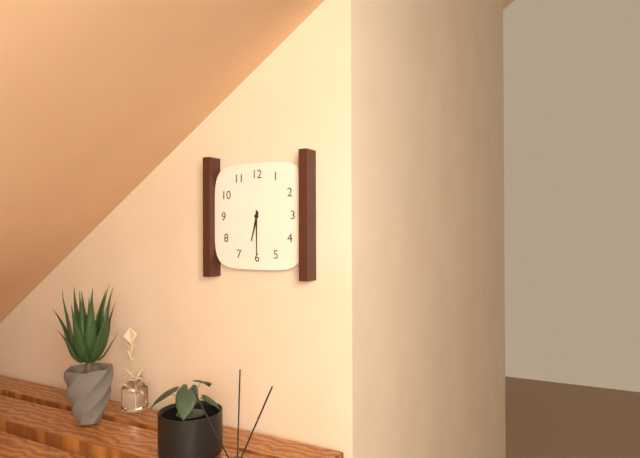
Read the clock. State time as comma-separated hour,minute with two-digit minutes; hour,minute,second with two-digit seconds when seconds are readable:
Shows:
6,30
